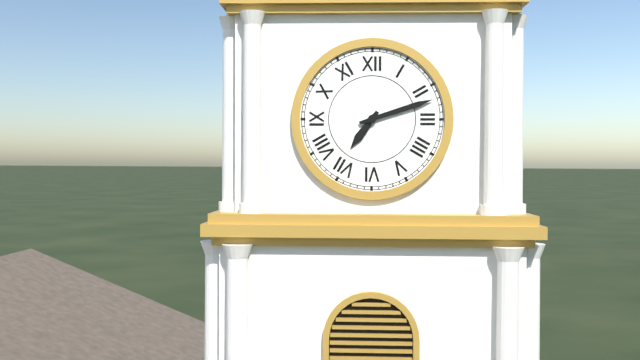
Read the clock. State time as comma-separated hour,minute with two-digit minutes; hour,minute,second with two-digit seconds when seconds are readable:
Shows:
7,12
